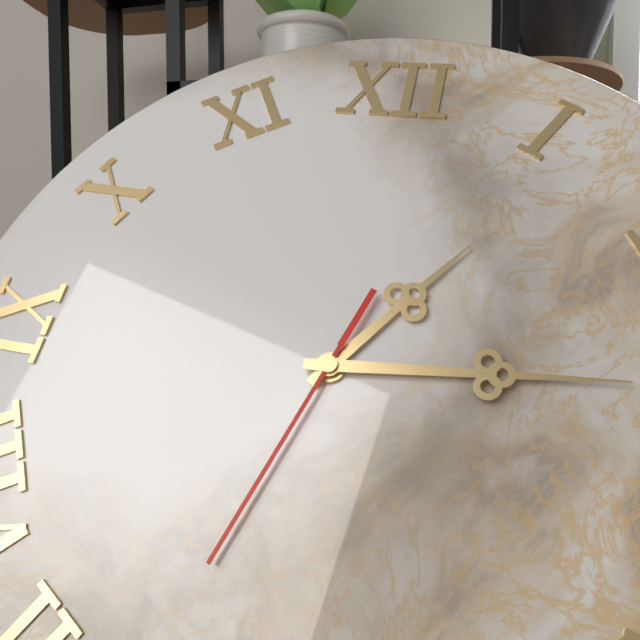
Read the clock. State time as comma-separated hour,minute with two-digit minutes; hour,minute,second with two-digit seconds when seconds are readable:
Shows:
1,14,33
